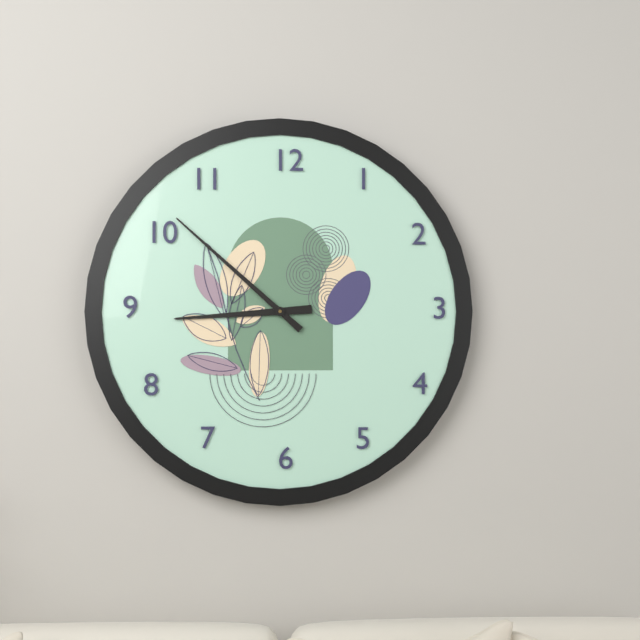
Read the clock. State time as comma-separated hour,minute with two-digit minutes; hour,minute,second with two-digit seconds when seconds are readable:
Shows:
8,52
